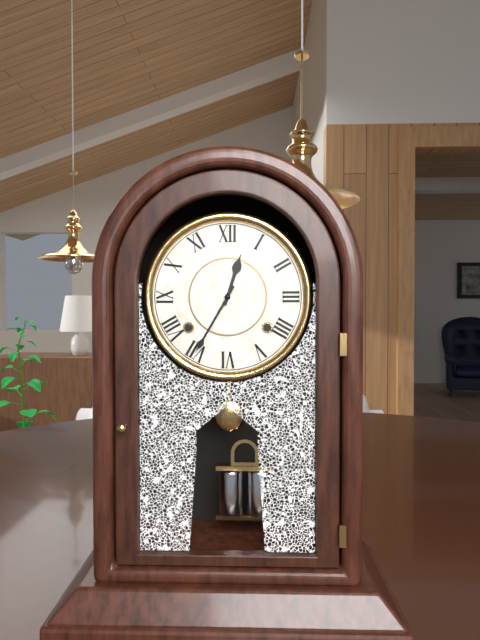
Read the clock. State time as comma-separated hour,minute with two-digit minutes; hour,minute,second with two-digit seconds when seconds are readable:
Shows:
12,35
